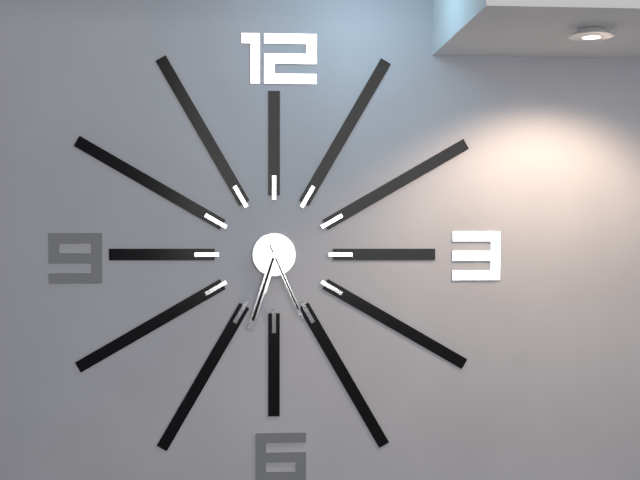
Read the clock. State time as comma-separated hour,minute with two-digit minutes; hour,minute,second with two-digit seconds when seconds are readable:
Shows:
6,33,26
